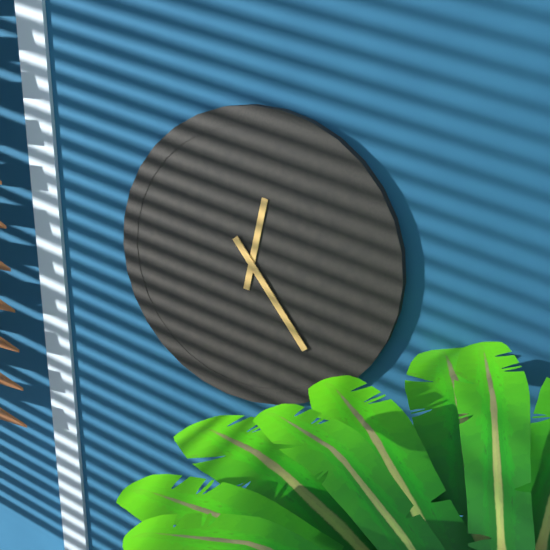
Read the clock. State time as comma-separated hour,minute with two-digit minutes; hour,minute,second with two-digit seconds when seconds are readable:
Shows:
12,24
